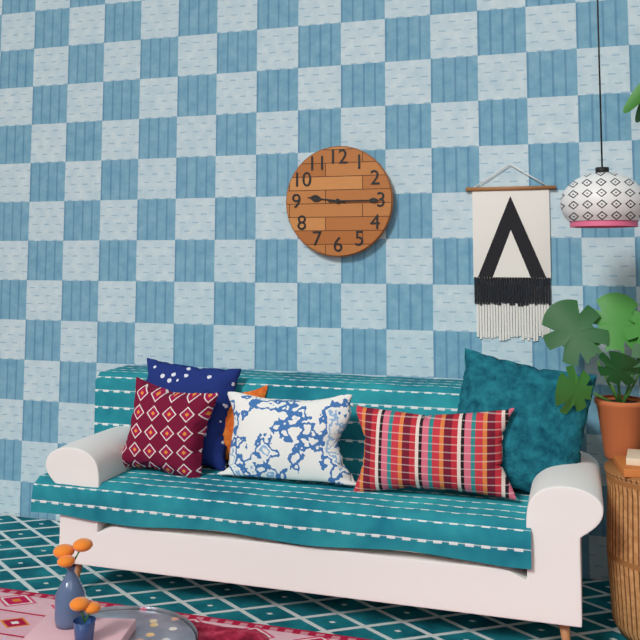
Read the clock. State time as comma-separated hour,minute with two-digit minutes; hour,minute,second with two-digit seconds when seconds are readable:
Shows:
9,15
